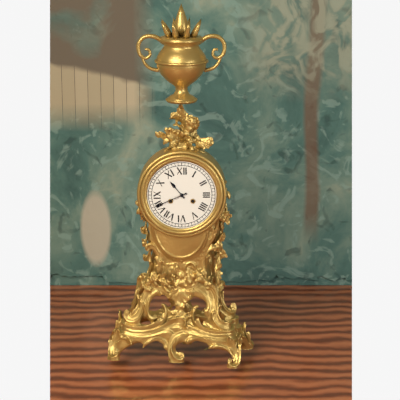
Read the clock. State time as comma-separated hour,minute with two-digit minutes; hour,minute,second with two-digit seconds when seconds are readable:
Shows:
10,41
